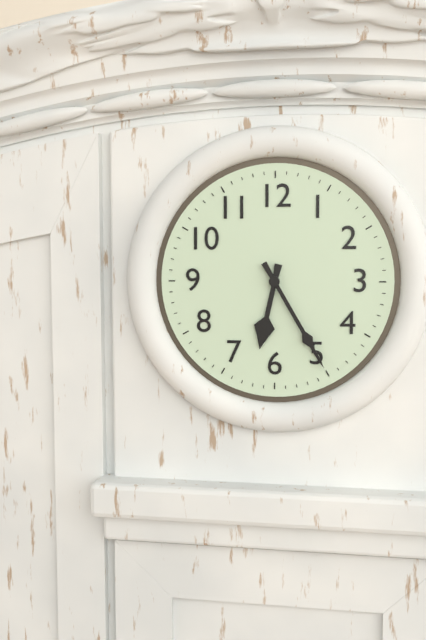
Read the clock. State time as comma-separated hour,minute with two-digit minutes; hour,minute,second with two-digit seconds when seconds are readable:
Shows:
6,25
